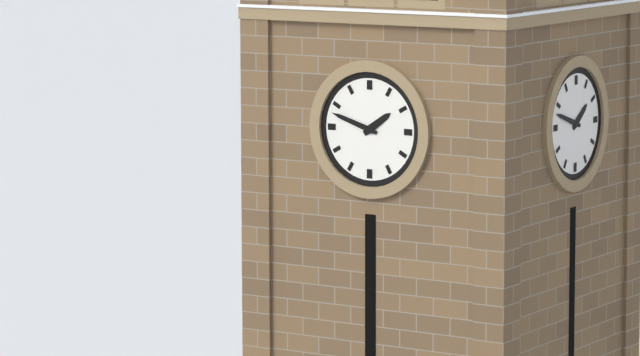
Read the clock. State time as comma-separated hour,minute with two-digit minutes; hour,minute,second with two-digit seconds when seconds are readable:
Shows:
1,48
